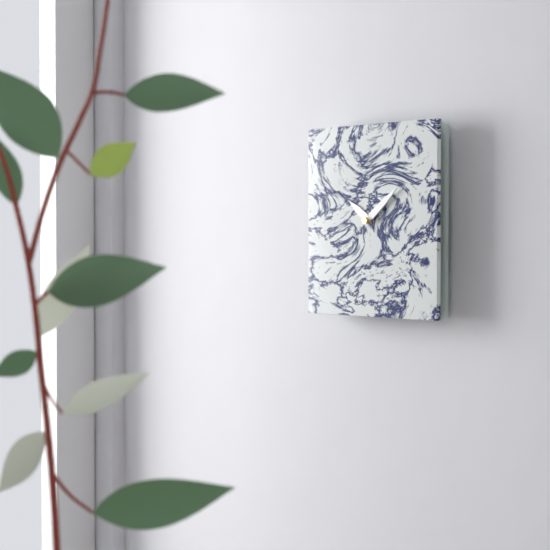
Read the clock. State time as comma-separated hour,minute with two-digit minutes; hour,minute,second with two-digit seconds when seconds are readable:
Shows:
10,09
